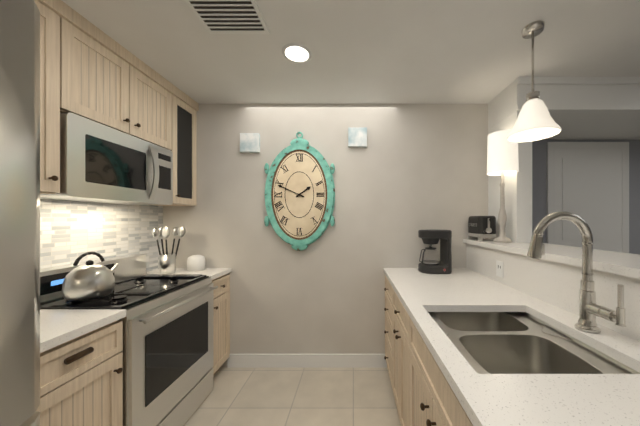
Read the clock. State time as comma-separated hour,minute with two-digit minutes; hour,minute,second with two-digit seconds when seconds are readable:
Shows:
1,49
